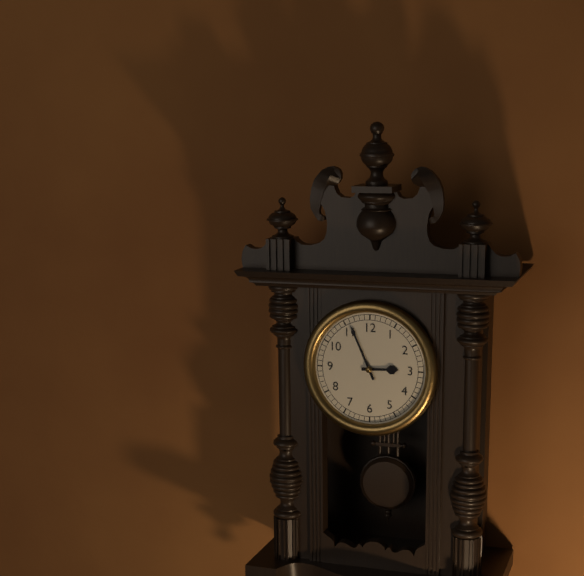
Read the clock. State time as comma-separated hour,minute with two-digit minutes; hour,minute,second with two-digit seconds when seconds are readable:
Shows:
2,56
